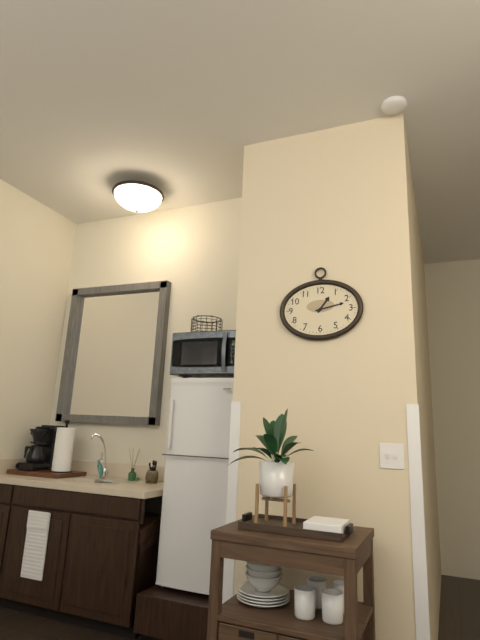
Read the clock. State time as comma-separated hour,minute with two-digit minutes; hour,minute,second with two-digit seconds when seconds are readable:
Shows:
1,13
